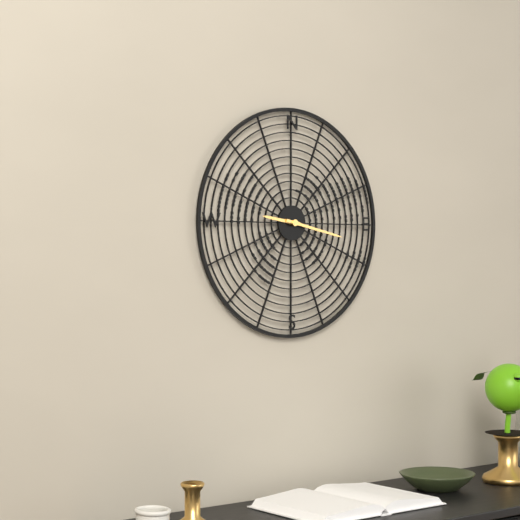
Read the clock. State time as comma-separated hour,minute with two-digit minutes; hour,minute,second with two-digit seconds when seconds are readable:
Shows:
9,17
